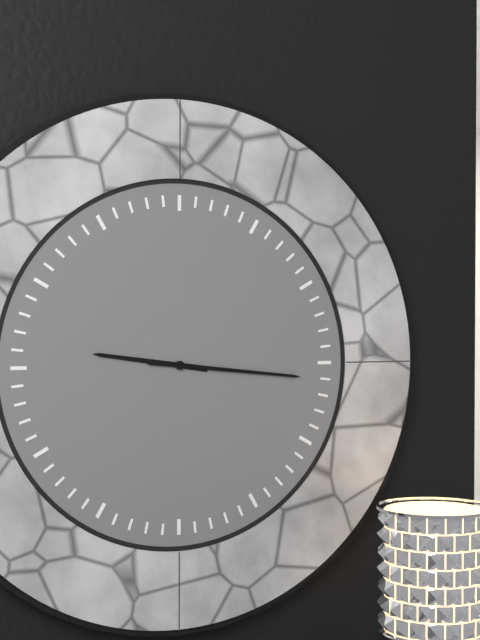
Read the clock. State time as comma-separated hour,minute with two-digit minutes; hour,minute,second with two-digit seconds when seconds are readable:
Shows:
9,16
